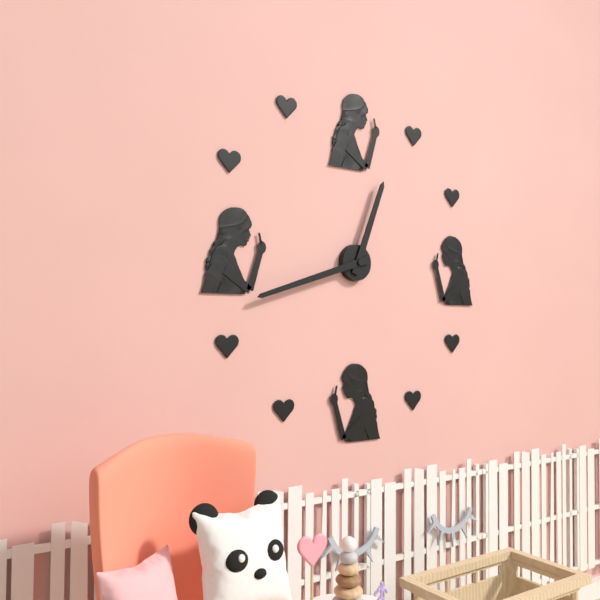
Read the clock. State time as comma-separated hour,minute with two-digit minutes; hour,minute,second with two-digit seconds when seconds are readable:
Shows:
12,42
